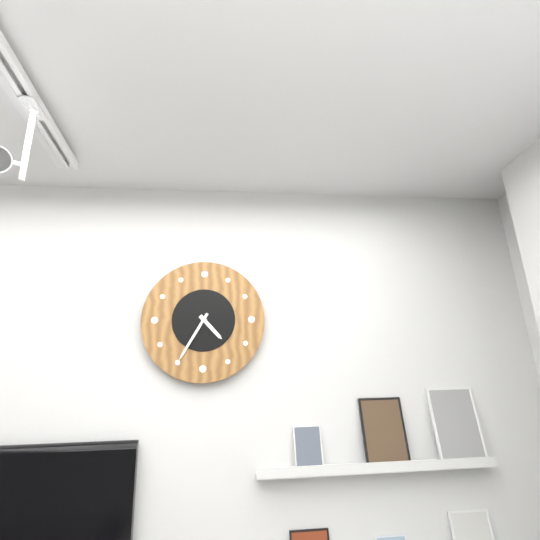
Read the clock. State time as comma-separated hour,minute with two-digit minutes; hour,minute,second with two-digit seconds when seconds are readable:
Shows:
4,35
